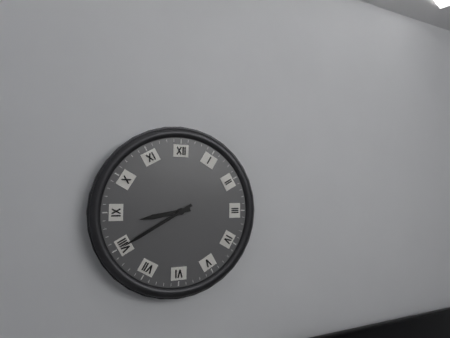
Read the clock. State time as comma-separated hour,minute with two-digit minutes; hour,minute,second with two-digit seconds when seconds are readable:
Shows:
8,40
